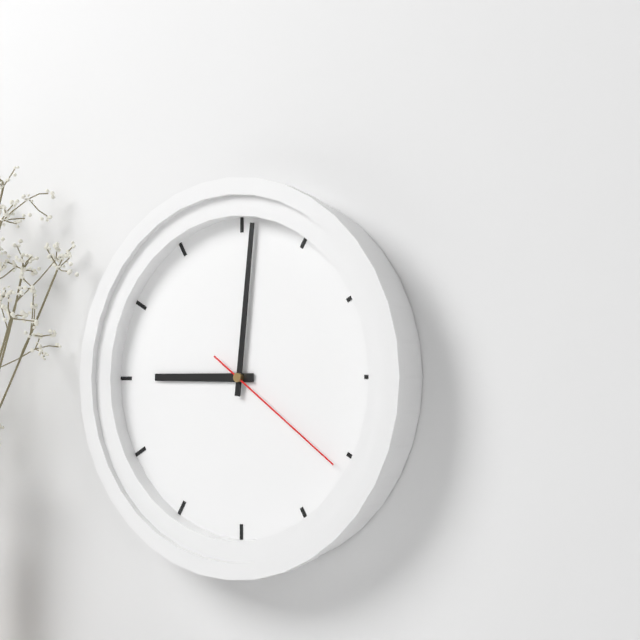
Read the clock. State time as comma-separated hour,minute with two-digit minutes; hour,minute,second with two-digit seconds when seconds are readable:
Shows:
9,01,21
